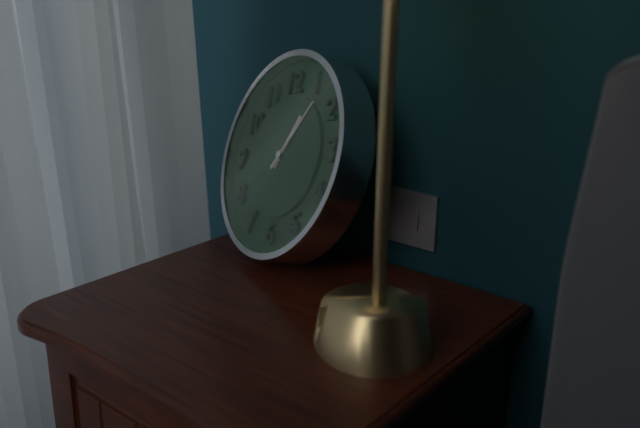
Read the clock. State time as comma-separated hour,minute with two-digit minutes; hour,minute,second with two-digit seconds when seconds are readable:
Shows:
1,07
